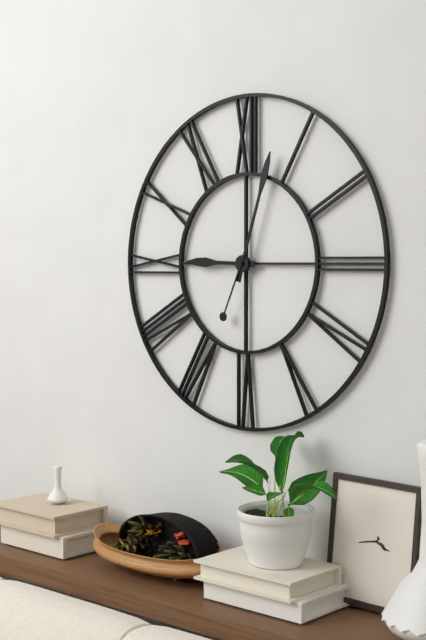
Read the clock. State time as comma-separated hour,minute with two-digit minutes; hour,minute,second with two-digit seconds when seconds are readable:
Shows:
9,03,34
